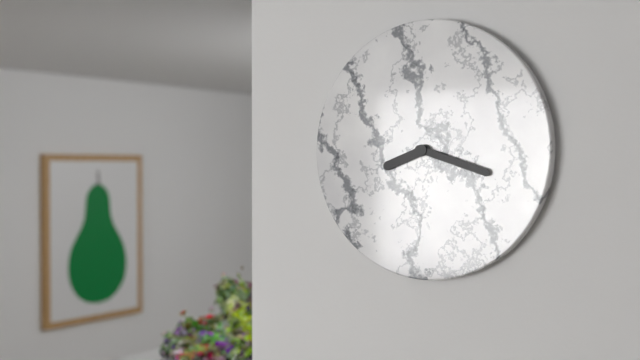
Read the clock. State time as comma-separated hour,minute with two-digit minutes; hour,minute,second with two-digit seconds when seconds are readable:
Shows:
8,18
